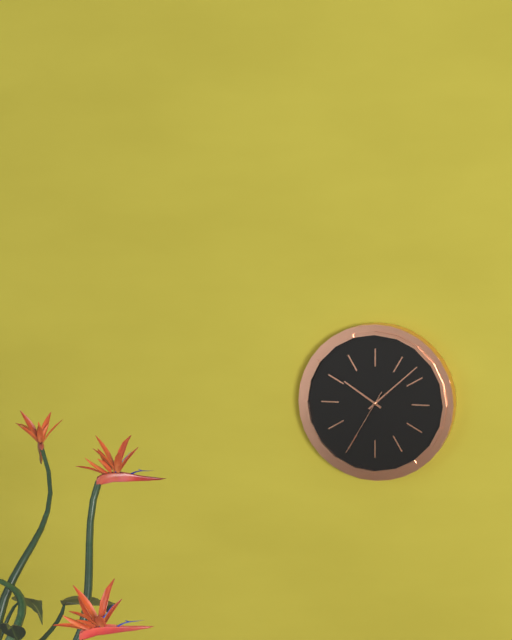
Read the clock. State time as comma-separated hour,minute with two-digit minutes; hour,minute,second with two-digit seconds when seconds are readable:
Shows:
10,08,35
